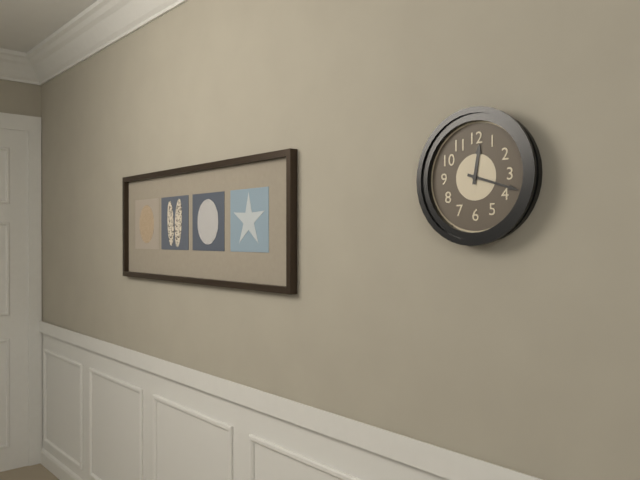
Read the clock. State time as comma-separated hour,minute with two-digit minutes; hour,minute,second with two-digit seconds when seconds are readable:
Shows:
12,18
